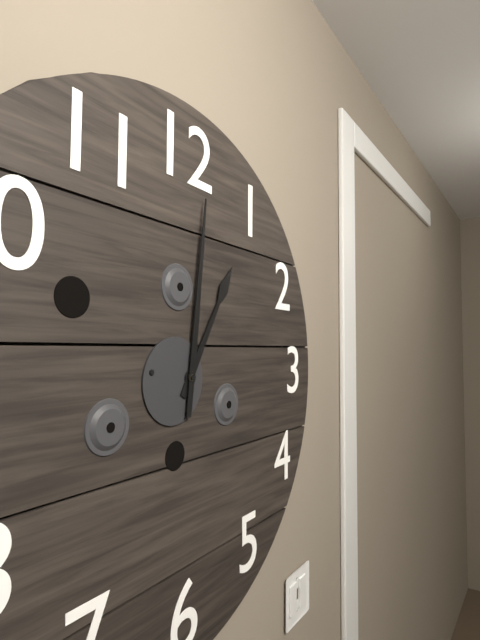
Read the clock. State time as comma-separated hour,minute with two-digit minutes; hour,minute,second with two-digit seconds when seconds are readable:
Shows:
1,01
